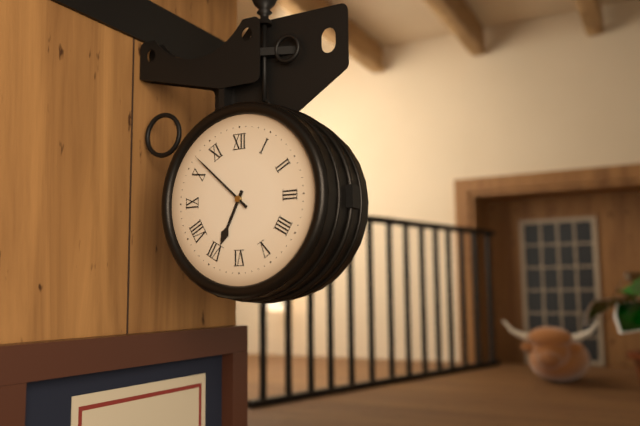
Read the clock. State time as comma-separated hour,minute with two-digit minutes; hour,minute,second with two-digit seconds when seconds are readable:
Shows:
6,52
